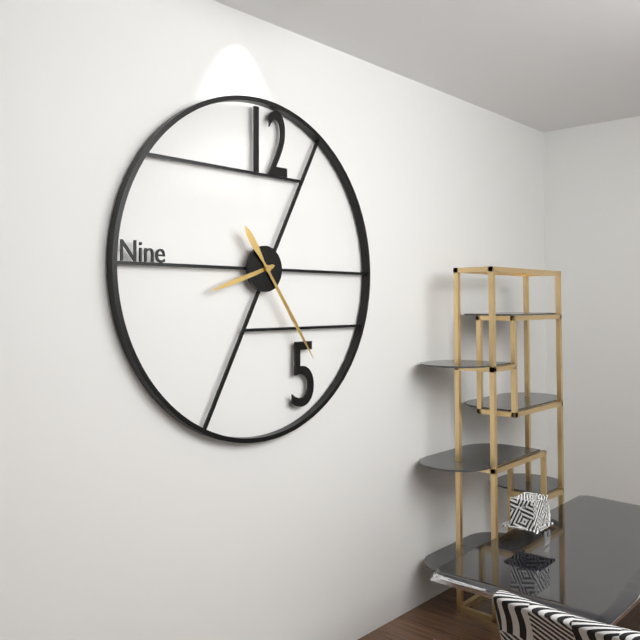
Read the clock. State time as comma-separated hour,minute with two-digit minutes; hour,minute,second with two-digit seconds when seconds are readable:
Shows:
8,24
